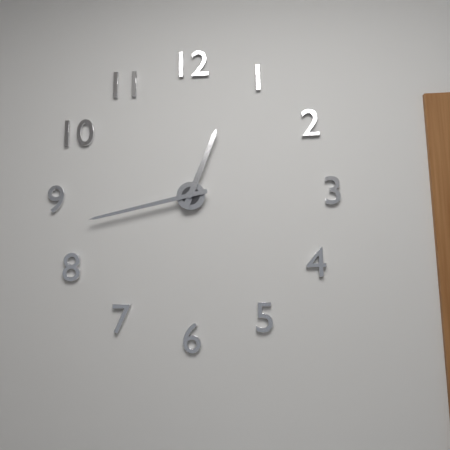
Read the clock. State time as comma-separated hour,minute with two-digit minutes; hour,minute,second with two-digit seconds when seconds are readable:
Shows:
12,43
